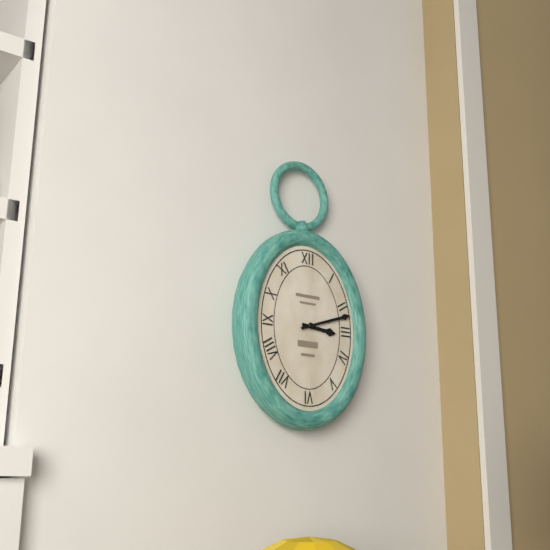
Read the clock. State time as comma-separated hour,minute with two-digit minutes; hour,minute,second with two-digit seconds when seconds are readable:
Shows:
3,12
